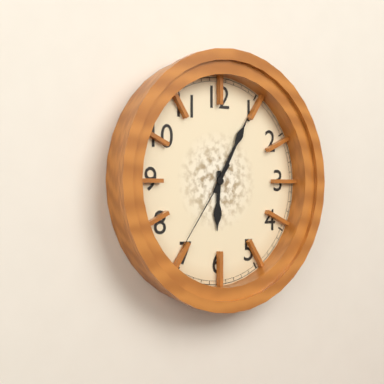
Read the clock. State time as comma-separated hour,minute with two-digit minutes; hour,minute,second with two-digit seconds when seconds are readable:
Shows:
6,05,36
